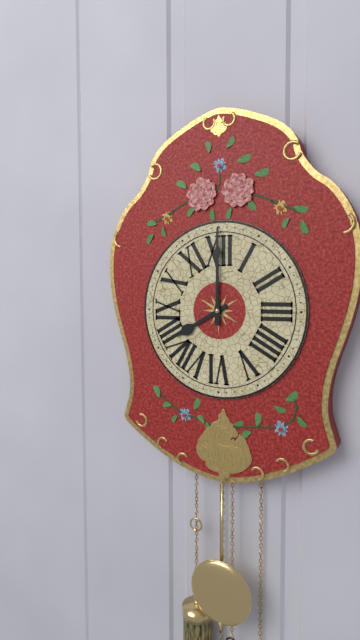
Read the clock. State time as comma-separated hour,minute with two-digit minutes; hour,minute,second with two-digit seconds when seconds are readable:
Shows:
8,00
